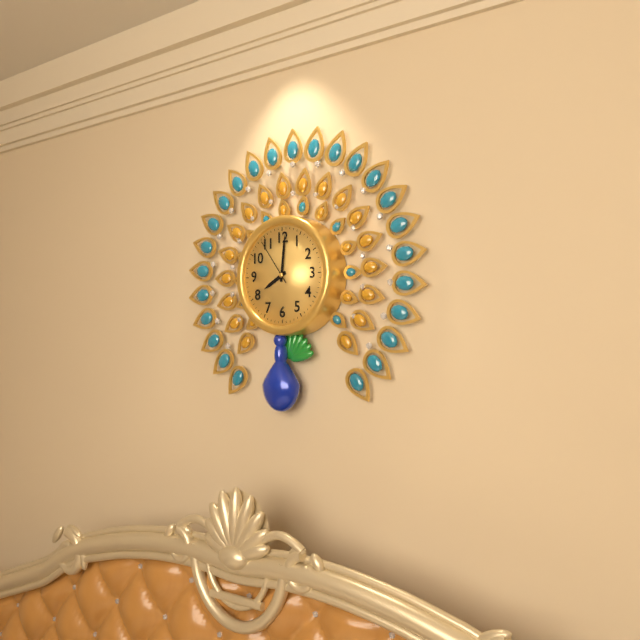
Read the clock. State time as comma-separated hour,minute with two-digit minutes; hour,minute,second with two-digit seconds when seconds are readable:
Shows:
8,01
